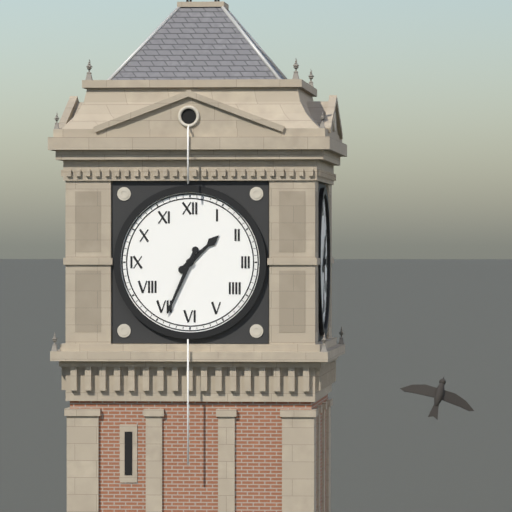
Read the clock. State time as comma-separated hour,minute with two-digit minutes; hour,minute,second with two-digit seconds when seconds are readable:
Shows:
1,34
